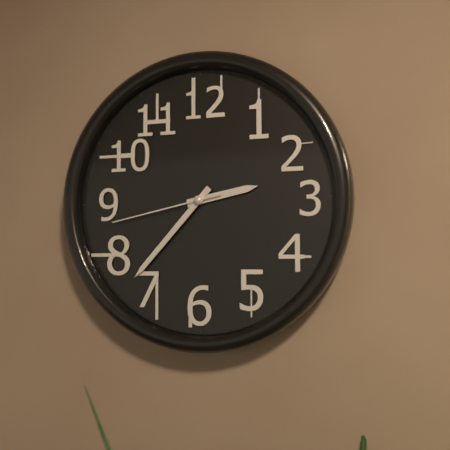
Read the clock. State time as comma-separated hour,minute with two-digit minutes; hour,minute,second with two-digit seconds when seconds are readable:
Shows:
2,37,43
